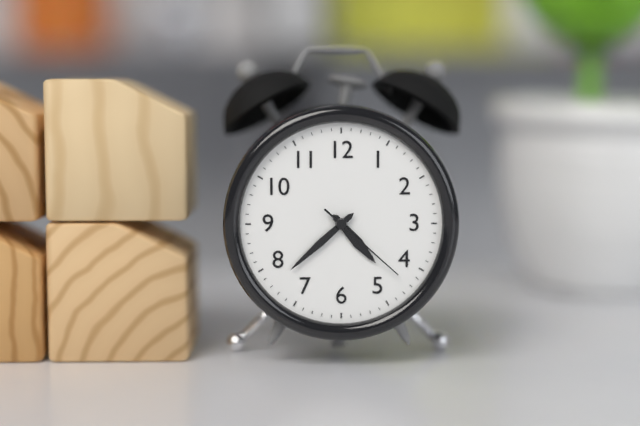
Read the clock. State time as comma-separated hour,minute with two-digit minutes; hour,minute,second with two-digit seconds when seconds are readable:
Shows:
4,38,22
